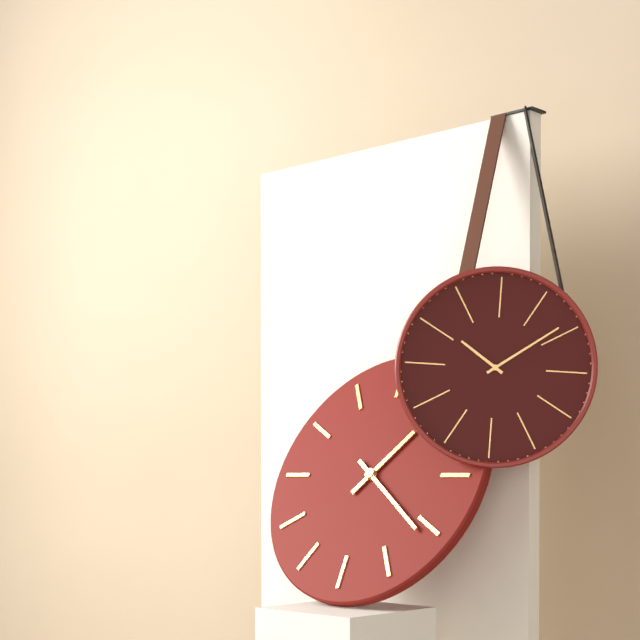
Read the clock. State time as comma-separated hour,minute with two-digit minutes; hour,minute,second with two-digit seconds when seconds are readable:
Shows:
1,21
